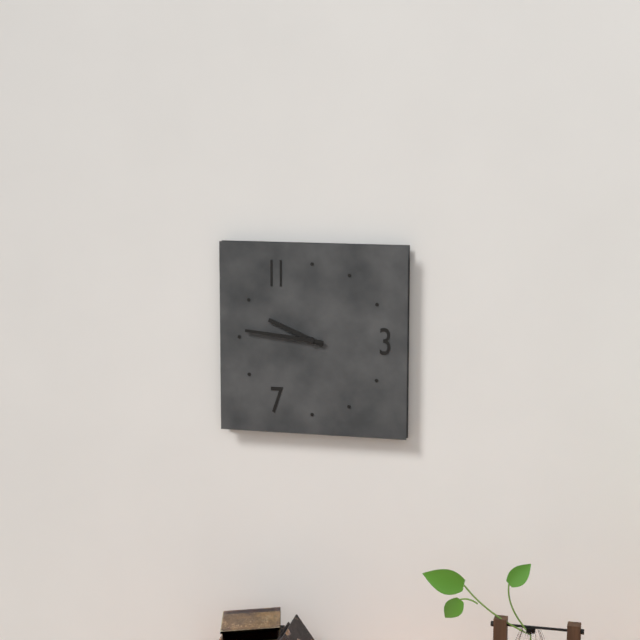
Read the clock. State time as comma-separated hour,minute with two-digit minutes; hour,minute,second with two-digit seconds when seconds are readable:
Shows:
9,46
